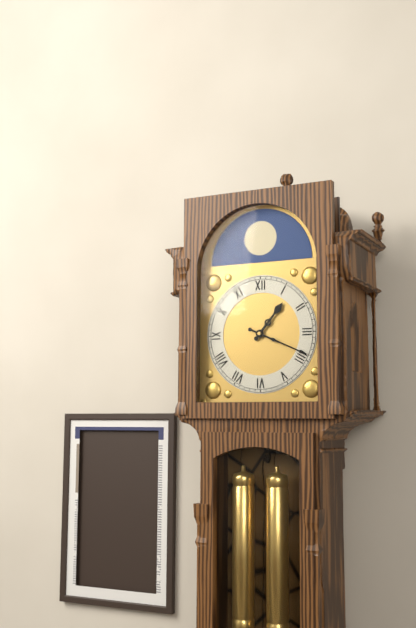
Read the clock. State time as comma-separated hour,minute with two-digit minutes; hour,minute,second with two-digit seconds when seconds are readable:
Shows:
1,19
